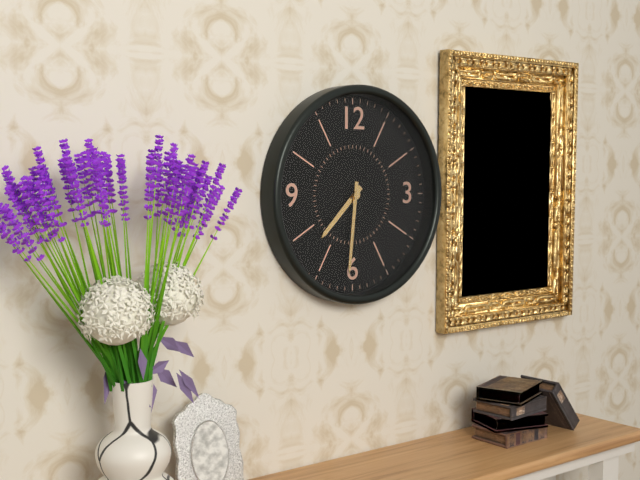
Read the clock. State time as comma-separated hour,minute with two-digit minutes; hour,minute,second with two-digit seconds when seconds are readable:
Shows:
7,31
